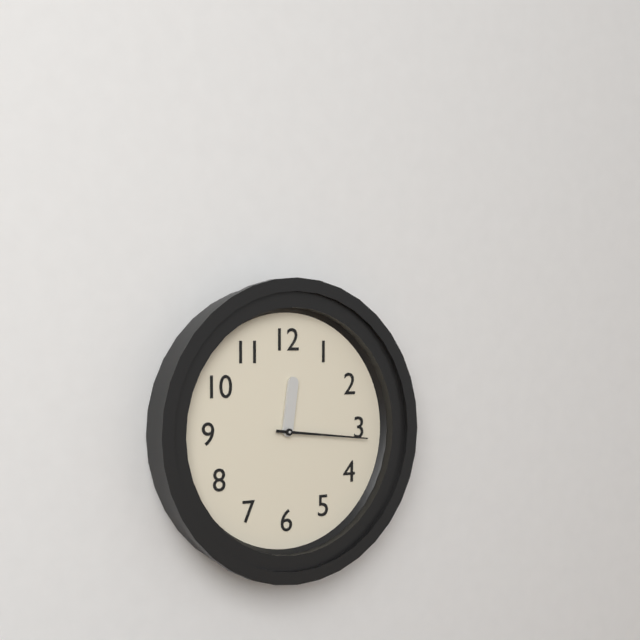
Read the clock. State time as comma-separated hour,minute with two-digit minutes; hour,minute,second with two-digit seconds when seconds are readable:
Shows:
12,16
